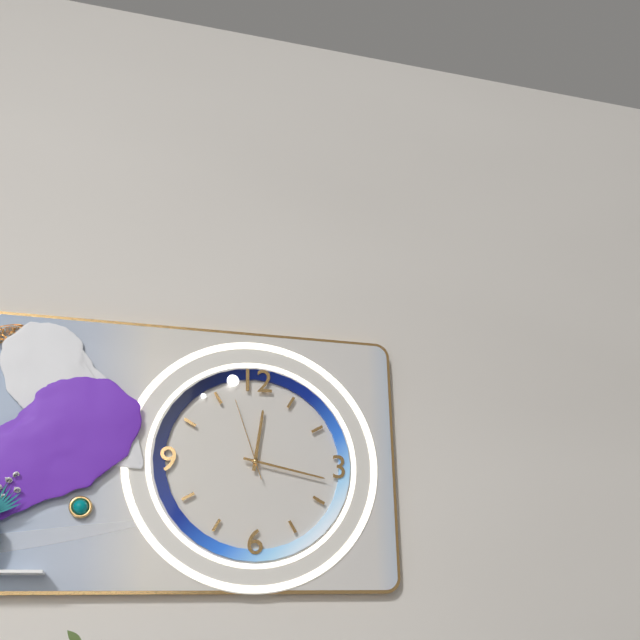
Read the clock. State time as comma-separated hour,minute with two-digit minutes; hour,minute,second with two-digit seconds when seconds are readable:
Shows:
12,17,57
